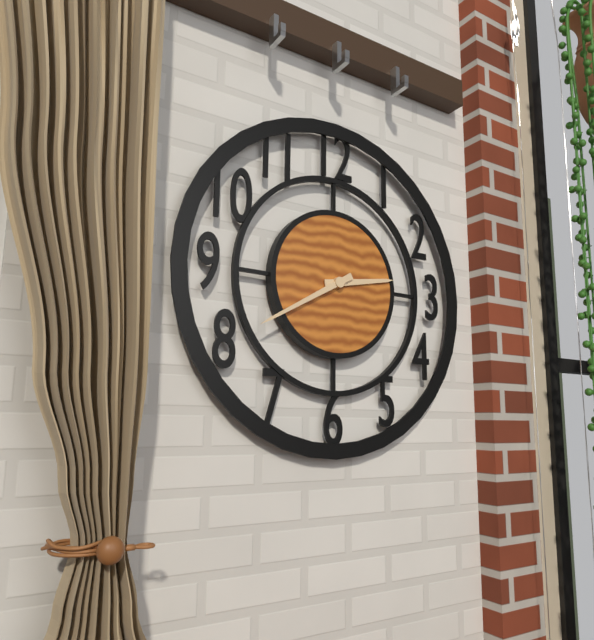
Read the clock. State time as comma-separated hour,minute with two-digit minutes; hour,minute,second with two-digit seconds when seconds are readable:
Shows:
2,40
